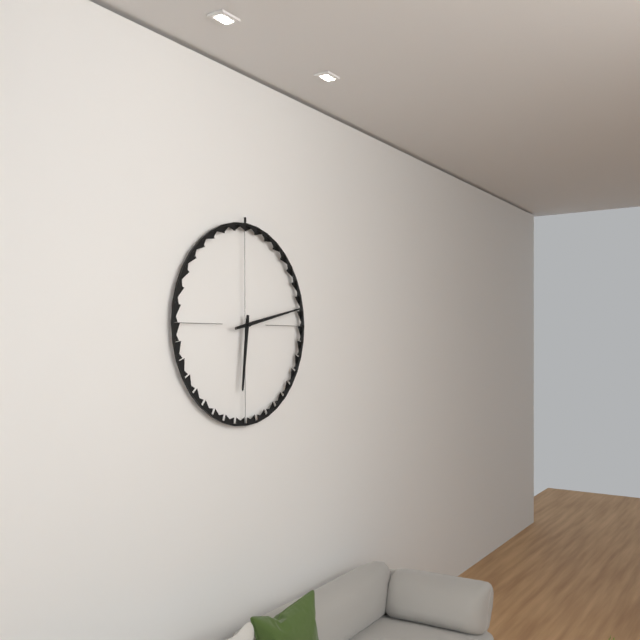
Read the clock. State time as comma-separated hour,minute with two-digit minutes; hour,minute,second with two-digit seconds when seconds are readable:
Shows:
6,13
